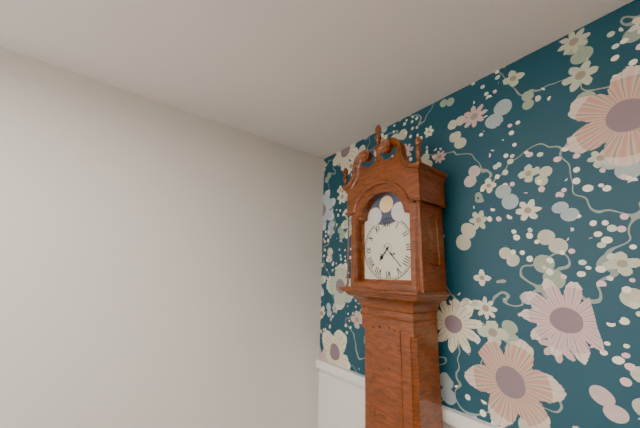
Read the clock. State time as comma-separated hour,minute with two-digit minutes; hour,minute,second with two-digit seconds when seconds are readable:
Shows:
7,23
